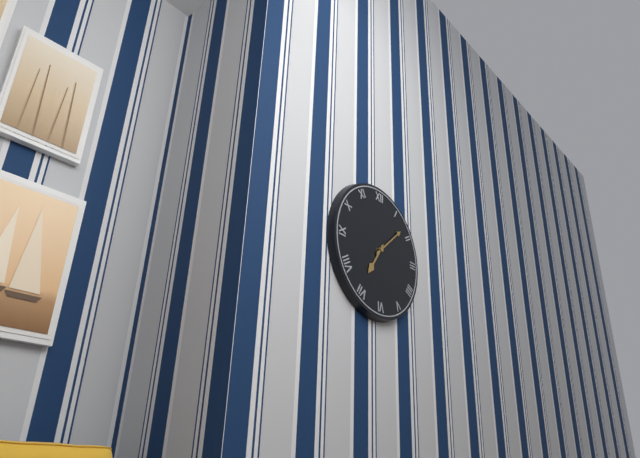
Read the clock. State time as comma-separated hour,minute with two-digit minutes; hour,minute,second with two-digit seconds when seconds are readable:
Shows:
7,08
